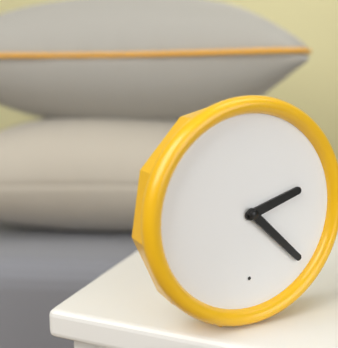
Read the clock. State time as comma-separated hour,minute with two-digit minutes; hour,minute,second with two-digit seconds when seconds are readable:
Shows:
2,22
